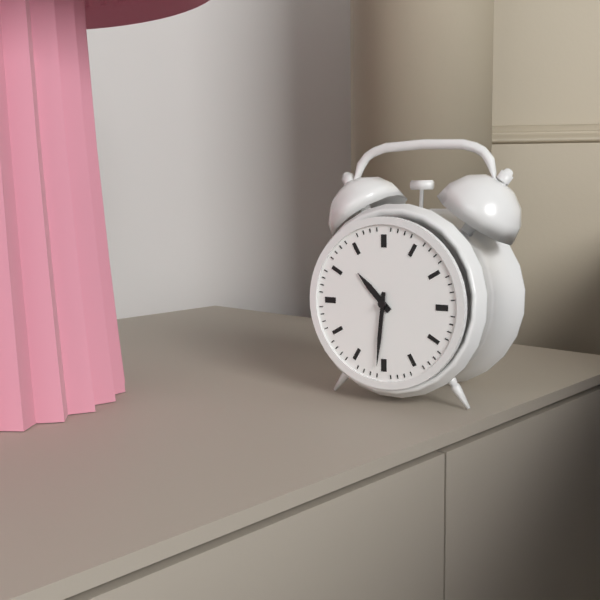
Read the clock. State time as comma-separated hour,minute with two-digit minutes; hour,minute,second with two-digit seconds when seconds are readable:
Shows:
10,31
